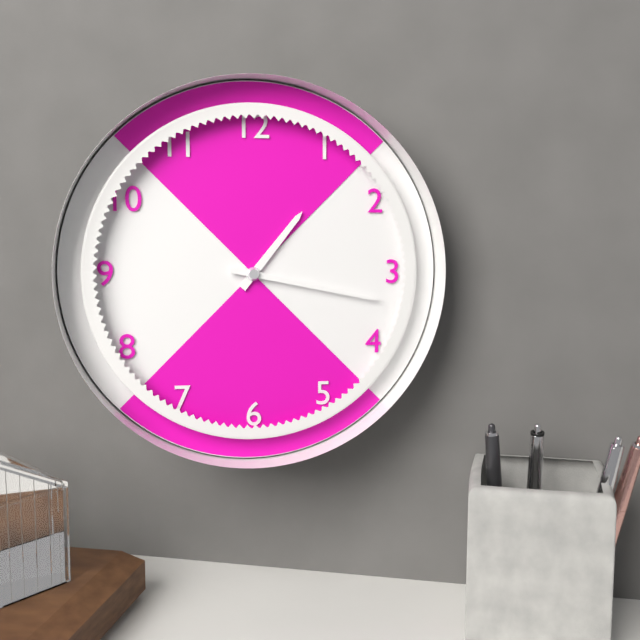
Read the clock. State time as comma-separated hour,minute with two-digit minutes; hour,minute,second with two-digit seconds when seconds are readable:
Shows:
1,17
